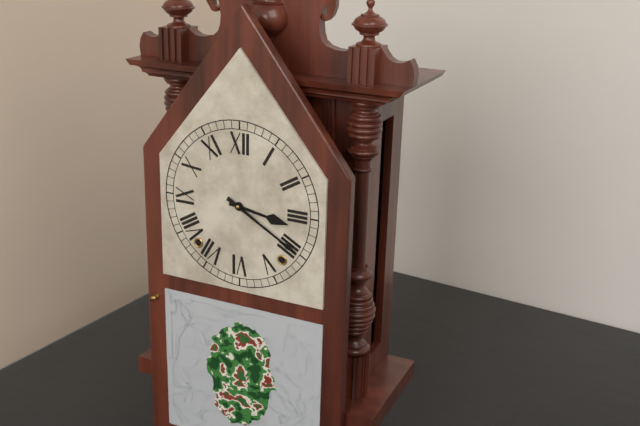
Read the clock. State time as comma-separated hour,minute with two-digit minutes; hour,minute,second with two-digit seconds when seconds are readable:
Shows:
3,20
